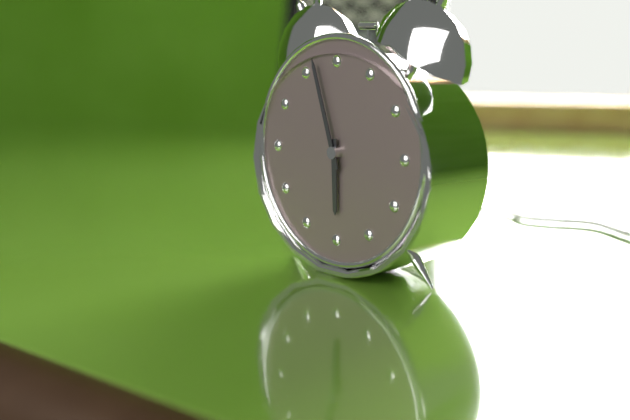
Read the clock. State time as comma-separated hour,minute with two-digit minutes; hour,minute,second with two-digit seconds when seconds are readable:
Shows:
5,57
